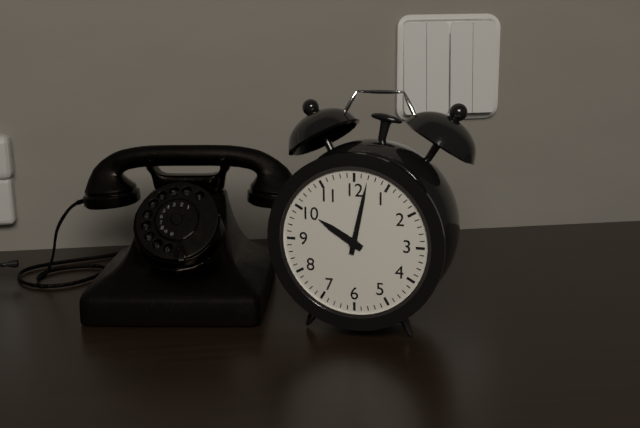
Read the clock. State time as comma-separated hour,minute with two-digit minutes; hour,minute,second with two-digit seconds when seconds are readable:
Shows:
10,02
